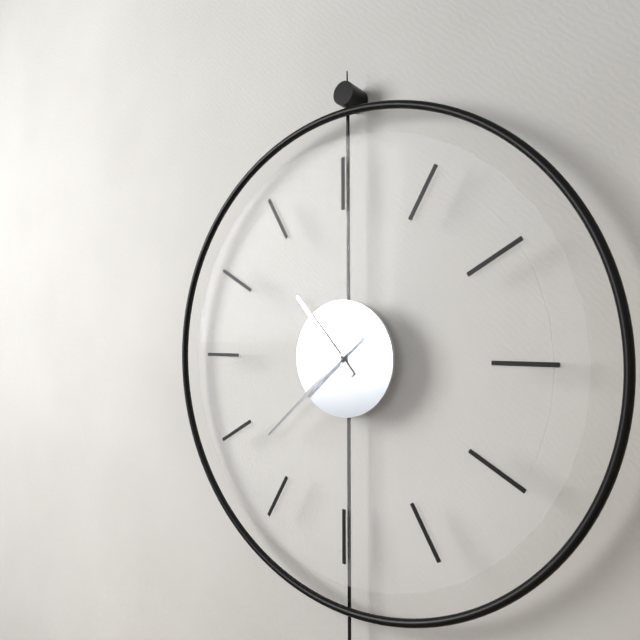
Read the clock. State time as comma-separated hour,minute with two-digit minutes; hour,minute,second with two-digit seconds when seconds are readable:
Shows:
10,38
